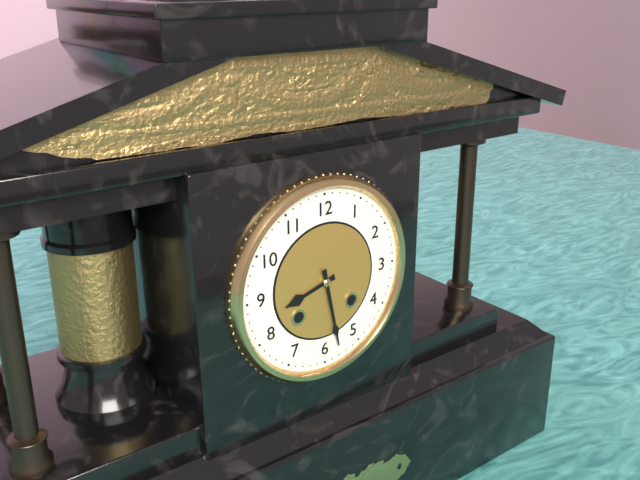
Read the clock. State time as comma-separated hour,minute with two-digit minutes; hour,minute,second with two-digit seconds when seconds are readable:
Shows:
8,28
